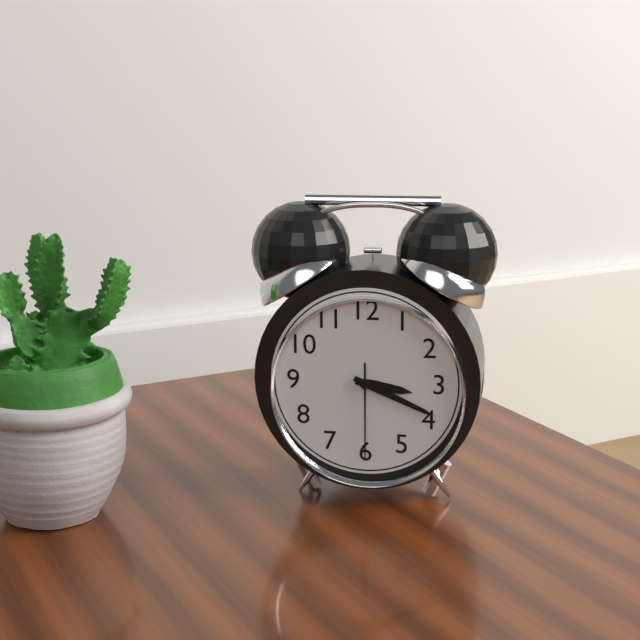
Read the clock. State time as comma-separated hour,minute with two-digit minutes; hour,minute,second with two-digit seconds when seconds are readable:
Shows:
3,19,30
